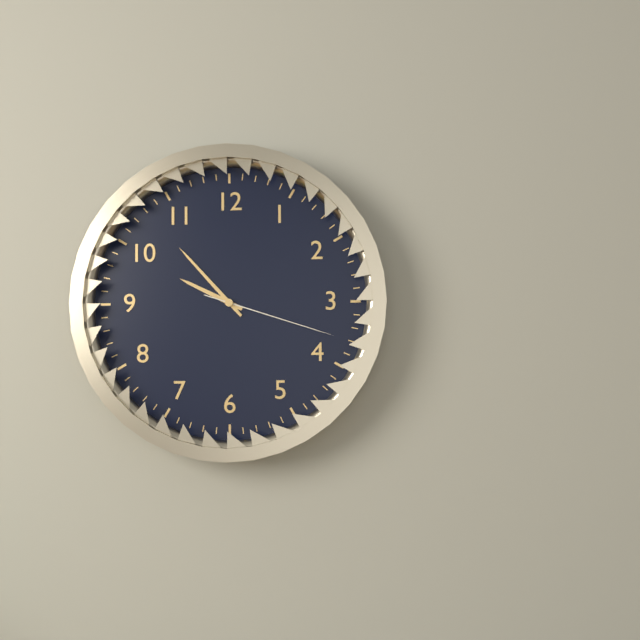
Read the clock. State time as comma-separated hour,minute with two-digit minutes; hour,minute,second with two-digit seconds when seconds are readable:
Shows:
9,53,18
